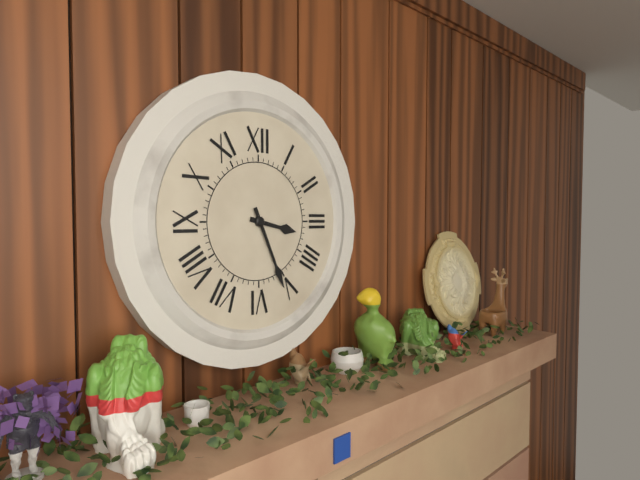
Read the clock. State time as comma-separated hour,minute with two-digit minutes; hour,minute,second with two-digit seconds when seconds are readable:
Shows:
3,26
